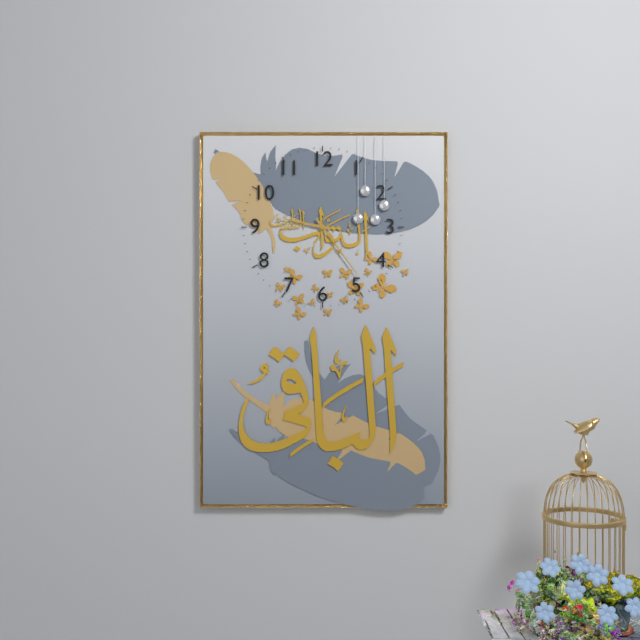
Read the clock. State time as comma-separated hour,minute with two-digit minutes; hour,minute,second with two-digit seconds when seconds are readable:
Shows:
9,24
